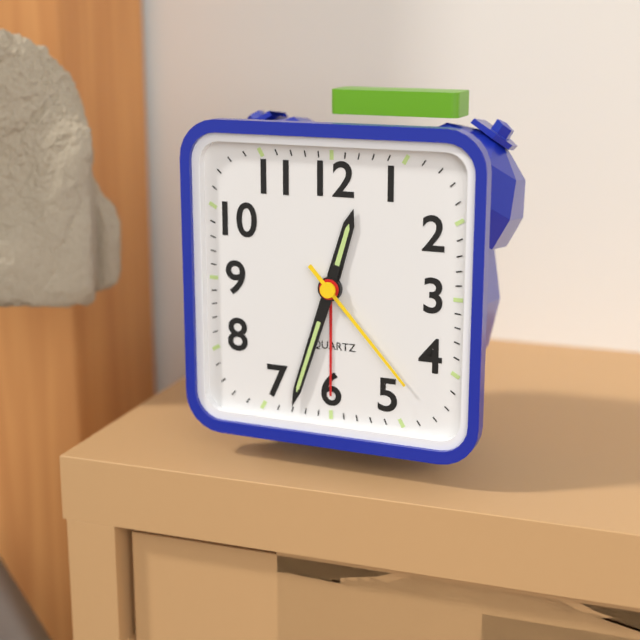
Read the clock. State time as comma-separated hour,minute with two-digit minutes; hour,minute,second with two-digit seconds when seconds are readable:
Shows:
12,33,23
